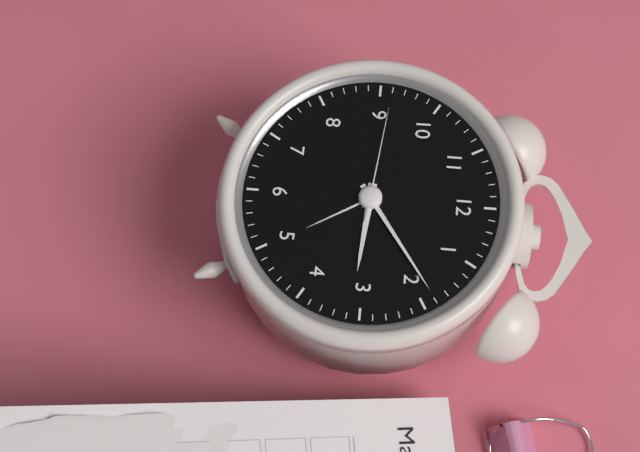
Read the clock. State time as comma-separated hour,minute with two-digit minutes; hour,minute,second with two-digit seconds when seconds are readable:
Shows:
3,09,46
